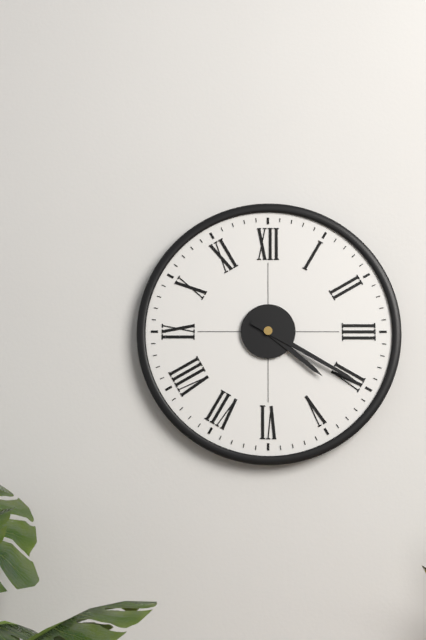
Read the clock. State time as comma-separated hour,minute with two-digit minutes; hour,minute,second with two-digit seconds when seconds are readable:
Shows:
4,20
